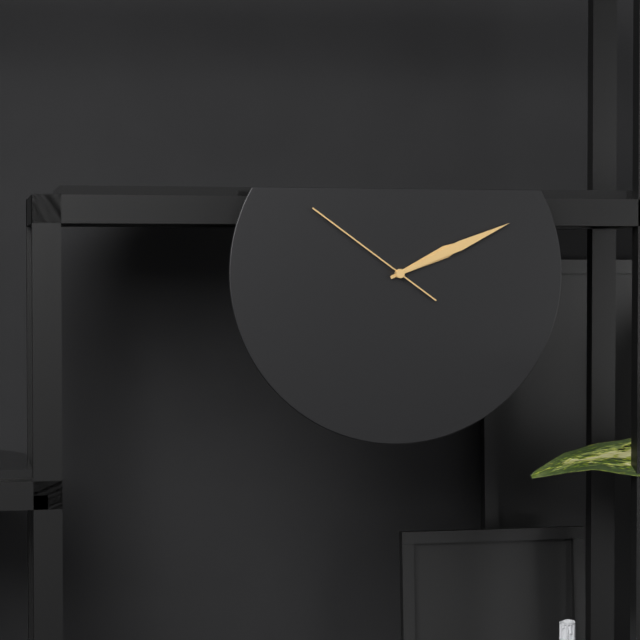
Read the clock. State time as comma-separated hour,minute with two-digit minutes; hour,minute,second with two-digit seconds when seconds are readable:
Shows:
2,11,51
